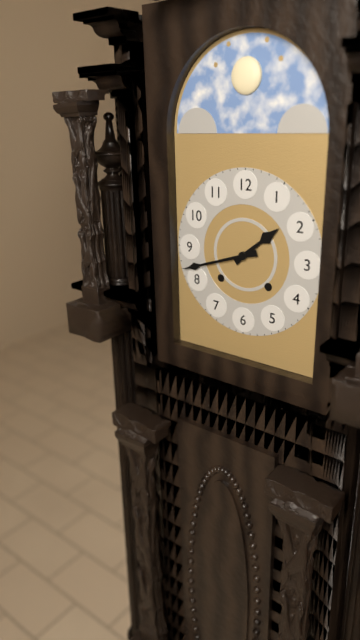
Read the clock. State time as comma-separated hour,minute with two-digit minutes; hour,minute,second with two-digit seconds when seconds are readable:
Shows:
1,42
